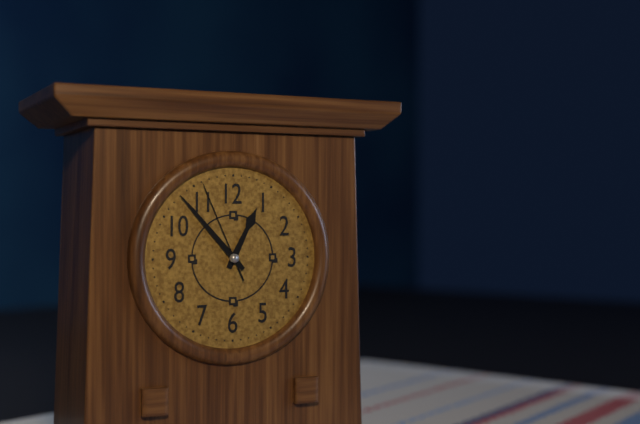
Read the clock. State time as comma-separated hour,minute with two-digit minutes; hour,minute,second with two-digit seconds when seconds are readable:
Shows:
12,53,56
